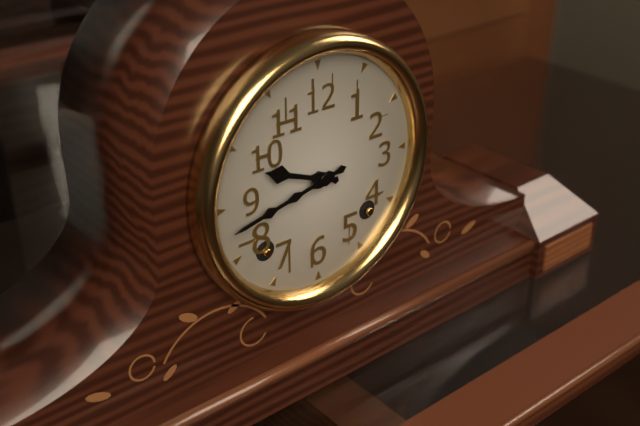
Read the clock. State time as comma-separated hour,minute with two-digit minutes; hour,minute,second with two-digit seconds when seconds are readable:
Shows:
9,43
